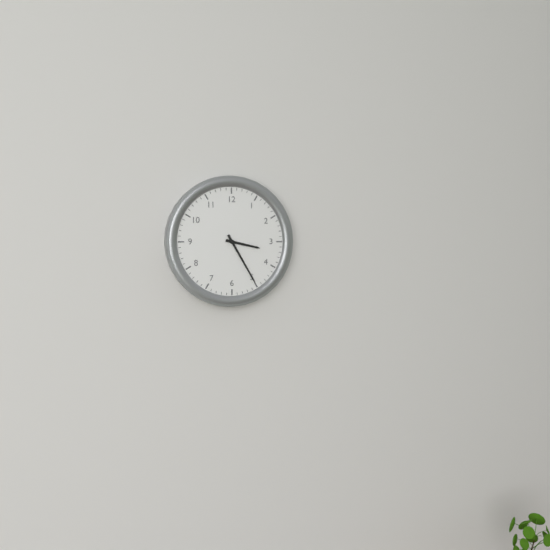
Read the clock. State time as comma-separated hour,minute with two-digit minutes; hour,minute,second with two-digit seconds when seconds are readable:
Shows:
3,25
